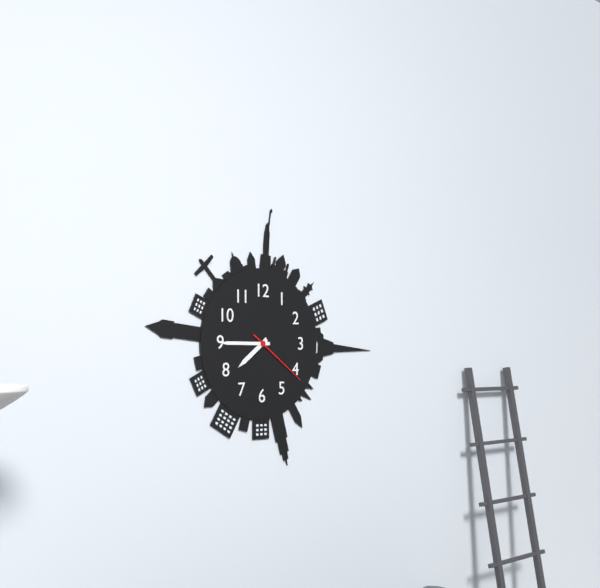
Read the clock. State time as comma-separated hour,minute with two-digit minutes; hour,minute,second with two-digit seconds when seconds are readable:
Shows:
7,45,21
